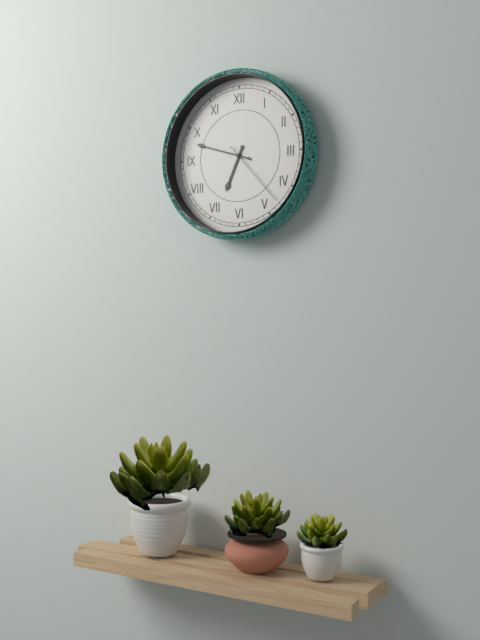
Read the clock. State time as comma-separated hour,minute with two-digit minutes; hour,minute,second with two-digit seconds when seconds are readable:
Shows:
6,48,23
